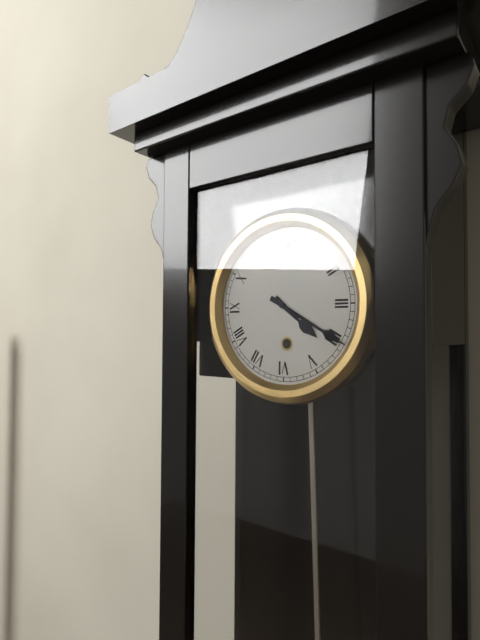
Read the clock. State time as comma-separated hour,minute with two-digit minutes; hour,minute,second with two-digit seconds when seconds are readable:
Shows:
4,20
